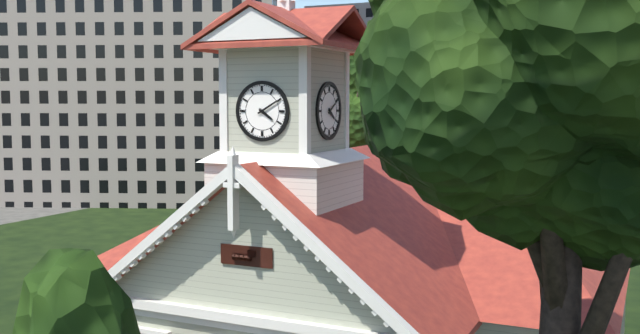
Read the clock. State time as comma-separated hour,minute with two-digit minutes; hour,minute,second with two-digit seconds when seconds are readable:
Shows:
4,10
